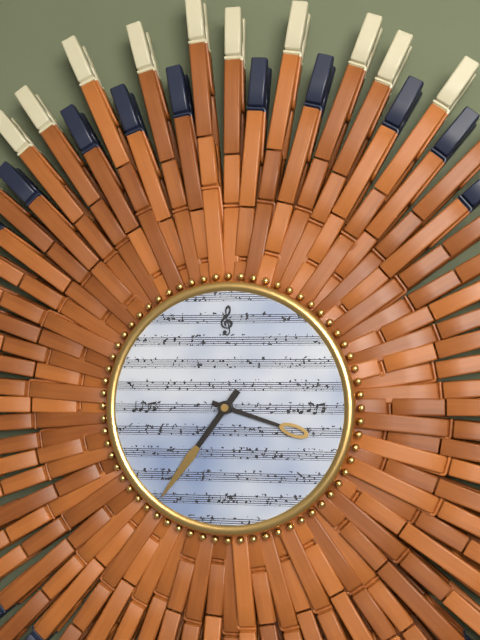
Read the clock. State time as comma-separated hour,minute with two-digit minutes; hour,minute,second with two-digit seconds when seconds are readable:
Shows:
3,36
